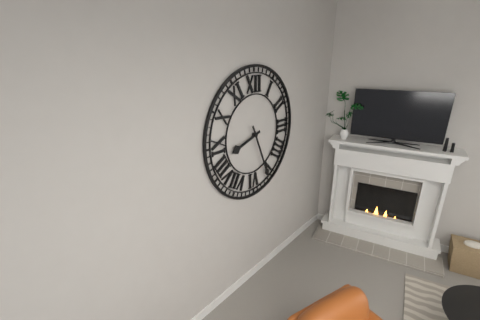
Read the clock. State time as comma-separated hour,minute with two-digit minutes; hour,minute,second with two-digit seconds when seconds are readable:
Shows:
8,26
